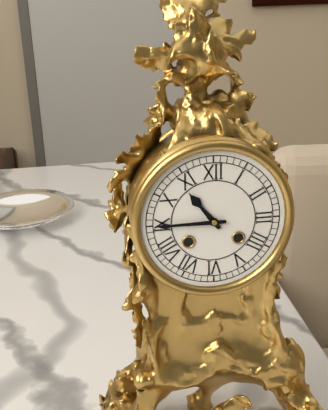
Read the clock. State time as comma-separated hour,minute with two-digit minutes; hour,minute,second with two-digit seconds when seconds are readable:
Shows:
10,45
